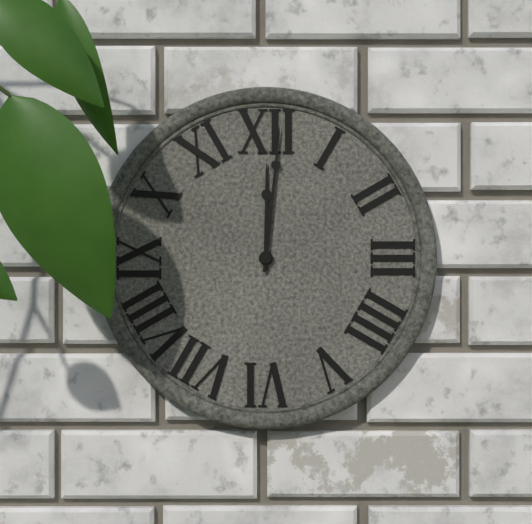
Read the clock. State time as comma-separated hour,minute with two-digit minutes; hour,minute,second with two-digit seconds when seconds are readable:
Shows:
12,01
